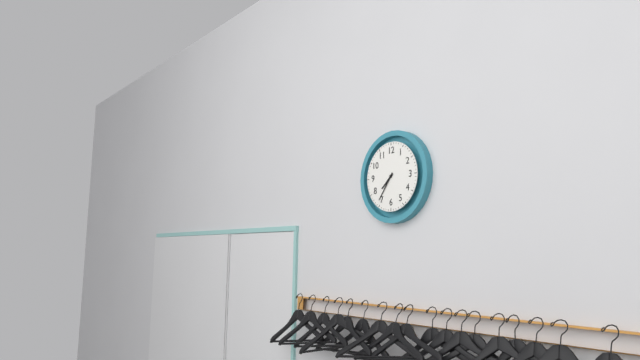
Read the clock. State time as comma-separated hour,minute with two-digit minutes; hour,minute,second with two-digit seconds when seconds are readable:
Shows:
7,36
